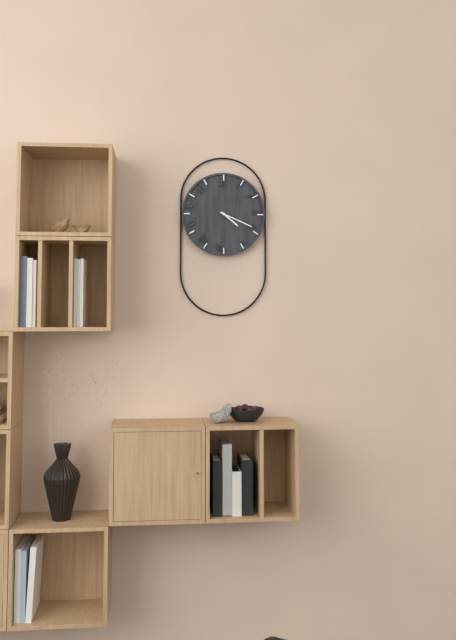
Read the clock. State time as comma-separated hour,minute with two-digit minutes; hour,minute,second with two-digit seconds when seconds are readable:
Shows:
4,19
